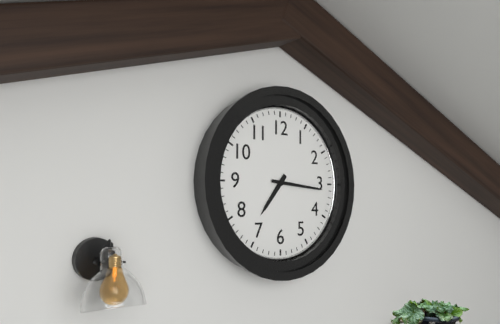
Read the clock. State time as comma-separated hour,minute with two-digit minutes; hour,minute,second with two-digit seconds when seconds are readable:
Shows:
7,16
